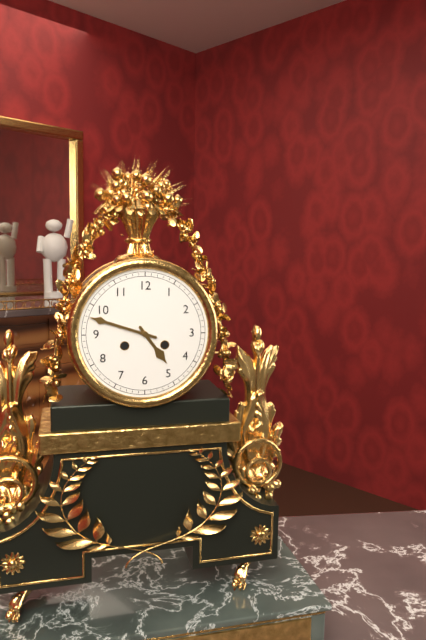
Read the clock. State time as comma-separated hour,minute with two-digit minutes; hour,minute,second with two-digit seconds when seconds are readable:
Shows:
4,48
